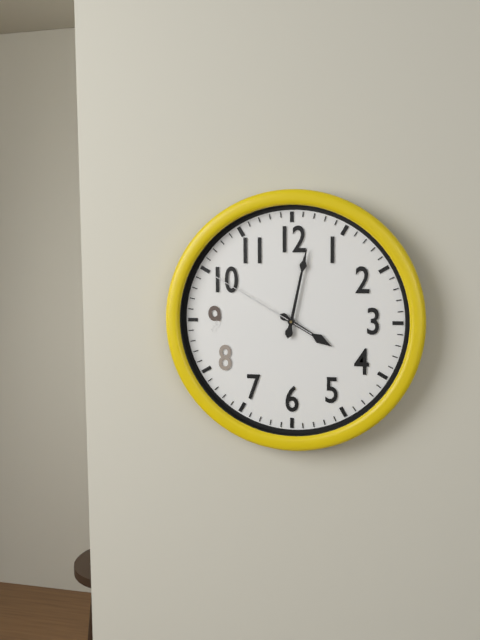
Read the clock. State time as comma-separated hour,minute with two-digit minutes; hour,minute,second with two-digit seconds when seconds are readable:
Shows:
4,02,50
